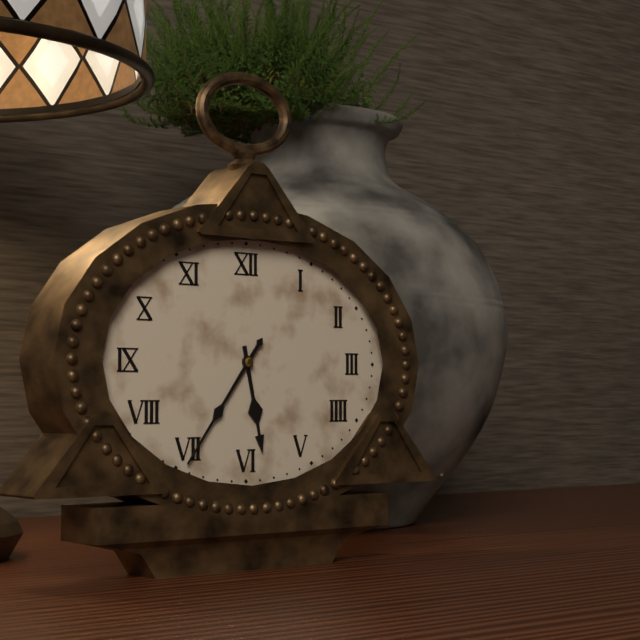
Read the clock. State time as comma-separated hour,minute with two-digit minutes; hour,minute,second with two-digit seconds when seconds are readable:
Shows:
5,36
